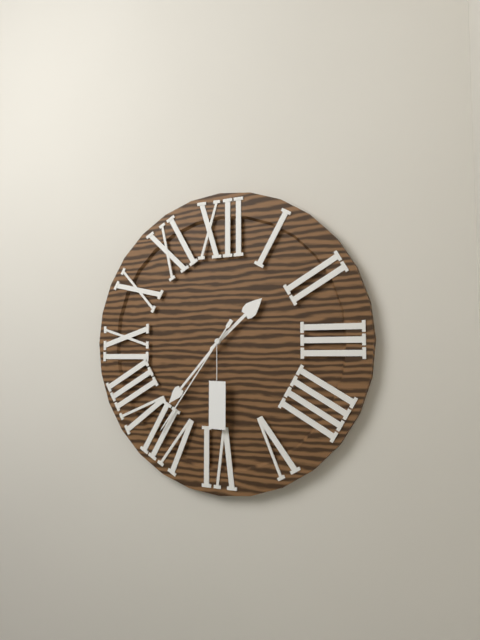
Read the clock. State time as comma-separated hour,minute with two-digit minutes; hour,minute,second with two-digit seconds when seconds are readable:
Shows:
1,37,36
